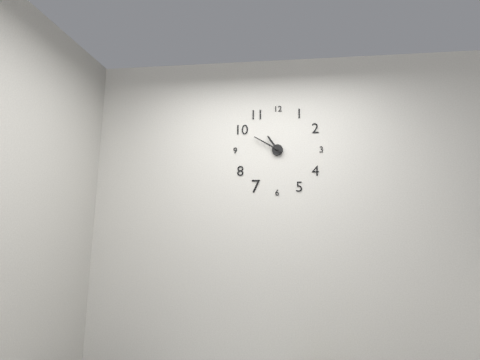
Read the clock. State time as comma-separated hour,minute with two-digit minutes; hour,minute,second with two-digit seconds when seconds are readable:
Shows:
10,50
